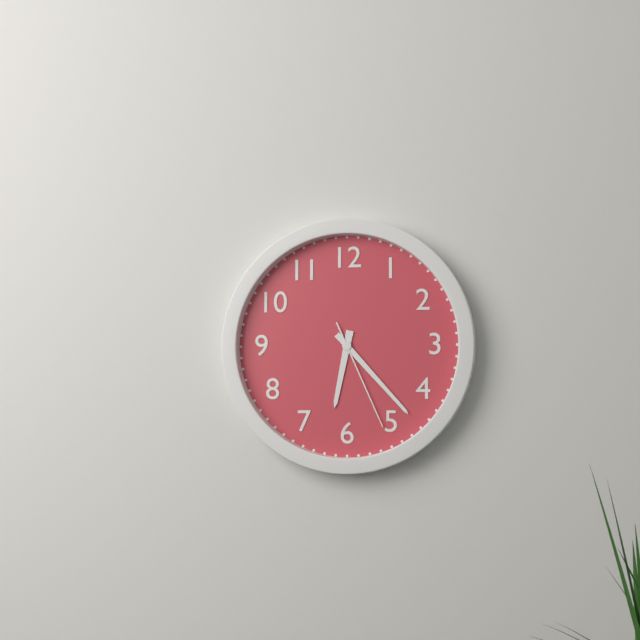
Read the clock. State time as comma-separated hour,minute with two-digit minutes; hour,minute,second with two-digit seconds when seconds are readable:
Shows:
6,23,26
